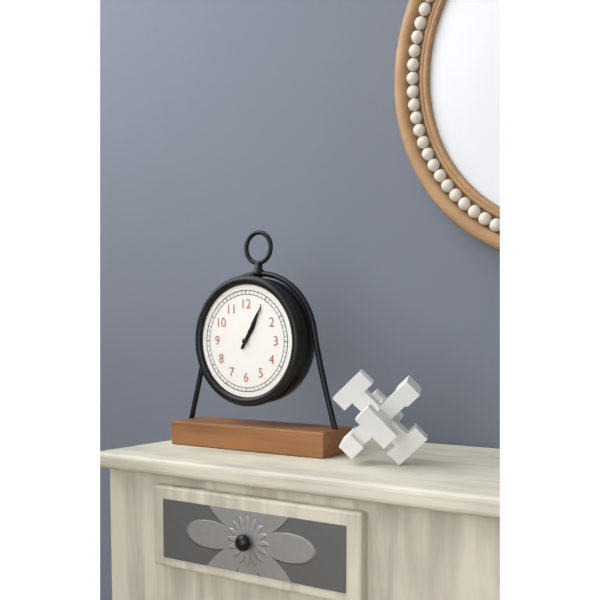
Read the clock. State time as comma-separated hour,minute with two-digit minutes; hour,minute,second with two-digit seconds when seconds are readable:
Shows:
1,05
